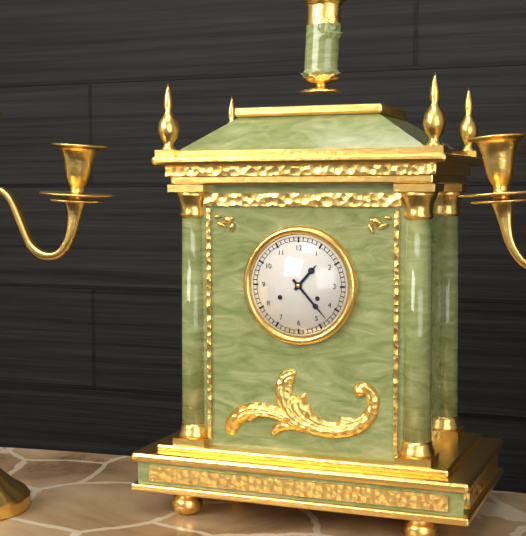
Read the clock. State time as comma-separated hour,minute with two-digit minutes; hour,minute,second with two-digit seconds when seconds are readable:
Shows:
1,23
